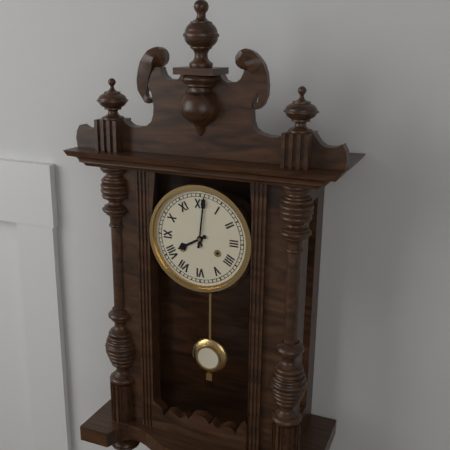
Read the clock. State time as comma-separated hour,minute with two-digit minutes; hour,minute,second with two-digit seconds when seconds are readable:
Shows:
8,01
